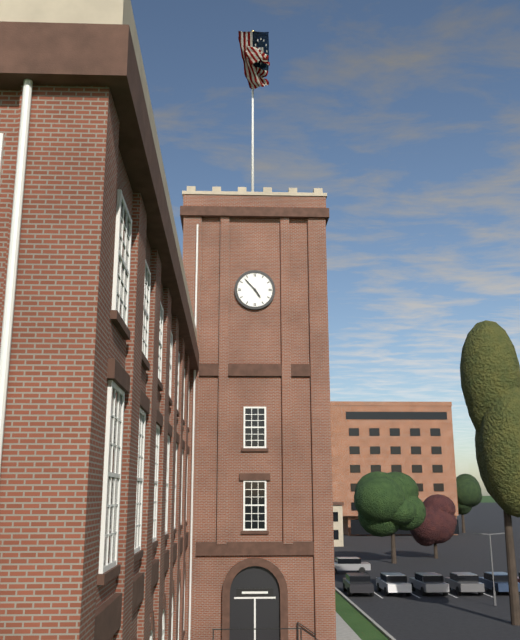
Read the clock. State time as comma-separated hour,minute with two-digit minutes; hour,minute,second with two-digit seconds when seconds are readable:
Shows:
4,53
